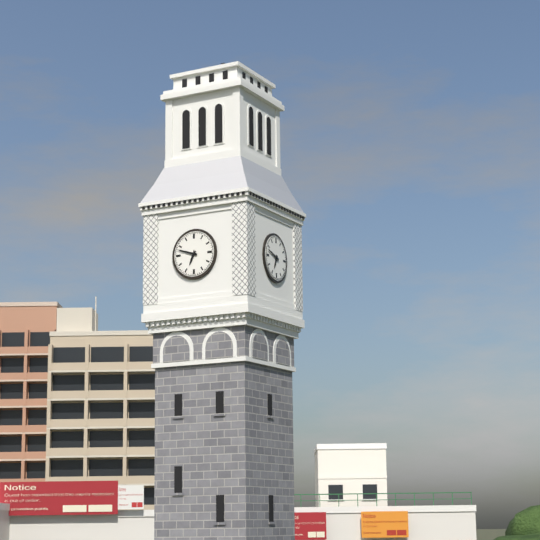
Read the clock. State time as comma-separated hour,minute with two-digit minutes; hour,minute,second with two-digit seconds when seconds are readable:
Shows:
6,48
